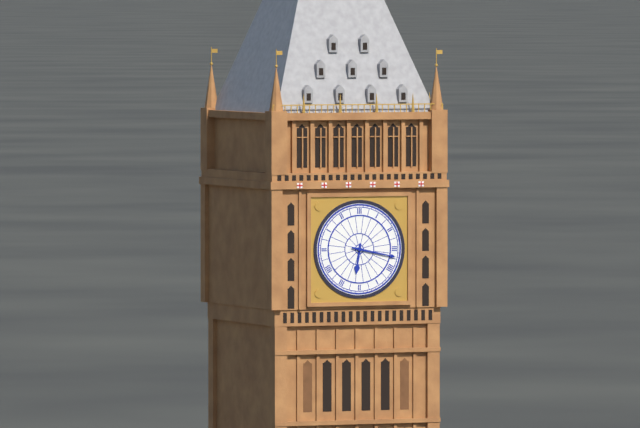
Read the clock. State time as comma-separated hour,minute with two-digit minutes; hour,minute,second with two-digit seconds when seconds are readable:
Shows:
6,17
